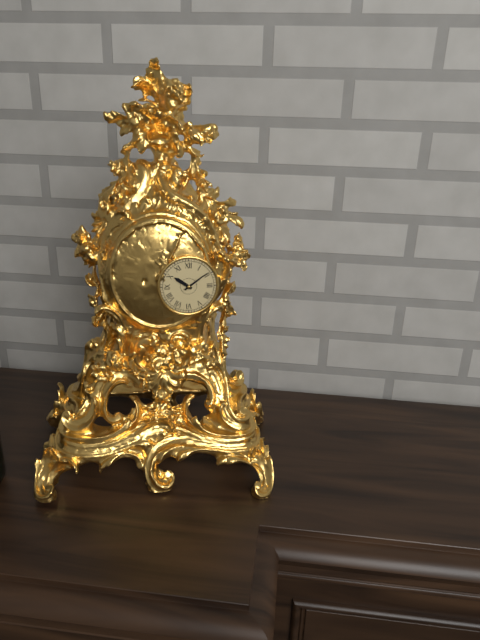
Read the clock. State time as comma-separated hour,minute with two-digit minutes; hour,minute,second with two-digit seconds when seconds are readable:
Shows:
10,09
